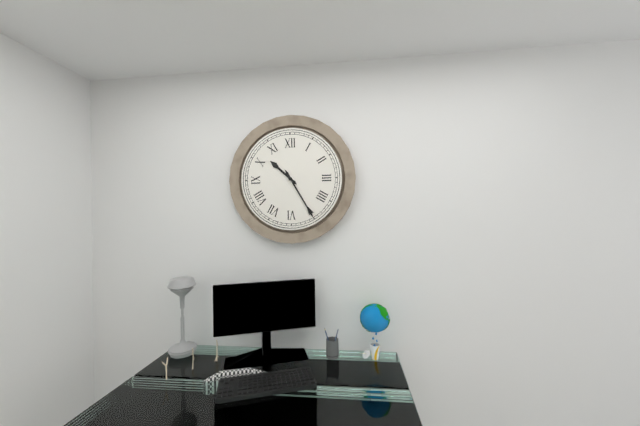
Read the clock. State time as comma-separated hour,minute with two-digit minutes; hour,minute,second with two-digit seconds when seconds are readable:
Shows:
10,25
